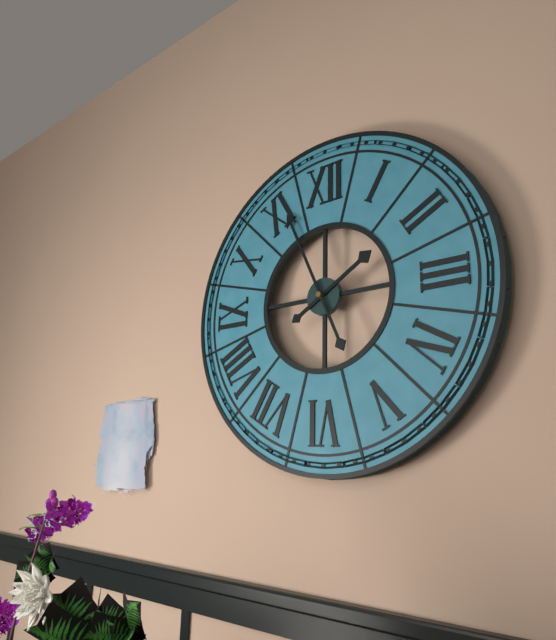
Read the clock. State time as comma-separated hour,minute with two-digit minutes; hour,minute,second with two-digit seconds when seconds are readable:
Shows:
1,56
